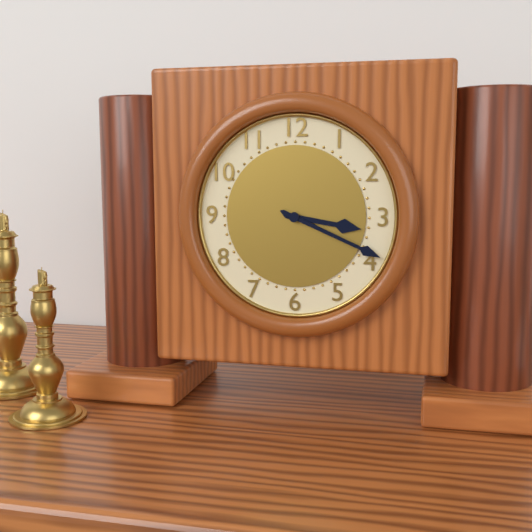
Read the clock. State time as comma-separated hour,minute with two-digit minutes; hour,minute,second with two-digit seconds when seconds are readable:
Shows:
3,19
